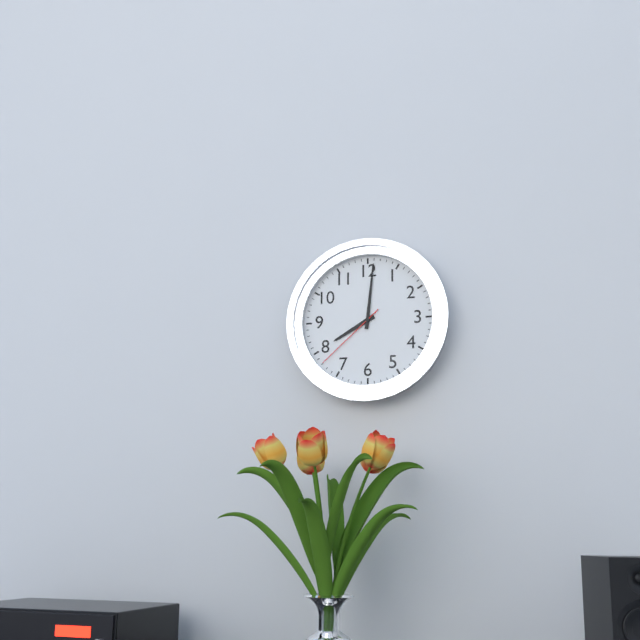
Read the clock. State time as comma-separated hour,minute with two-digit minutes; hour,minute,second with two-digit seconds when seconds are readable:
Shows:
8,01,38
